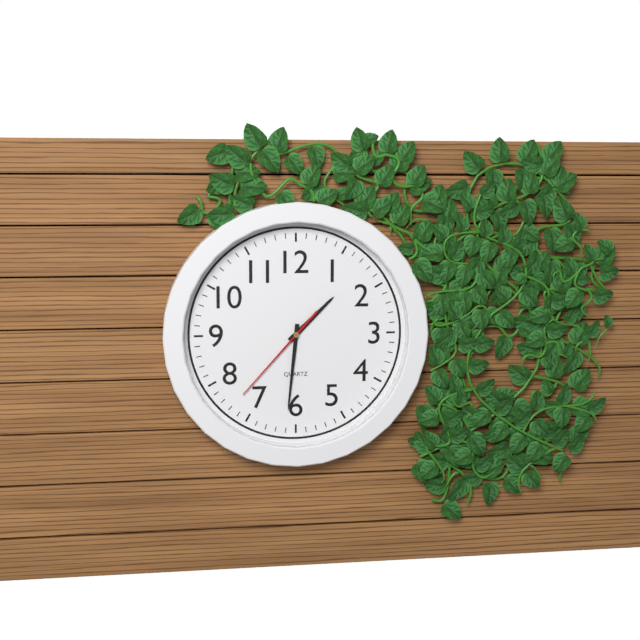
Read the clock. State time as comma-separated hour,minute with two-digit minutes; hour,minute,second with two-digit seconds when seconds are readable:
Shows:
1,31,37
